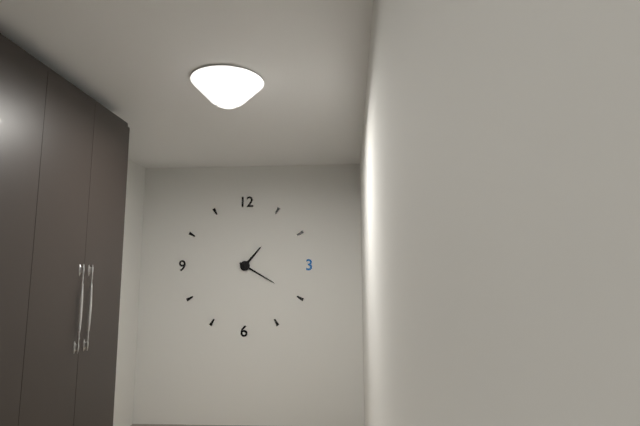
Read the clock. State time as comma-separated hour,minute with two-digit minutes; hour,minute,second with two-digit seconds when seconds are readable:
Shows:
1,20
